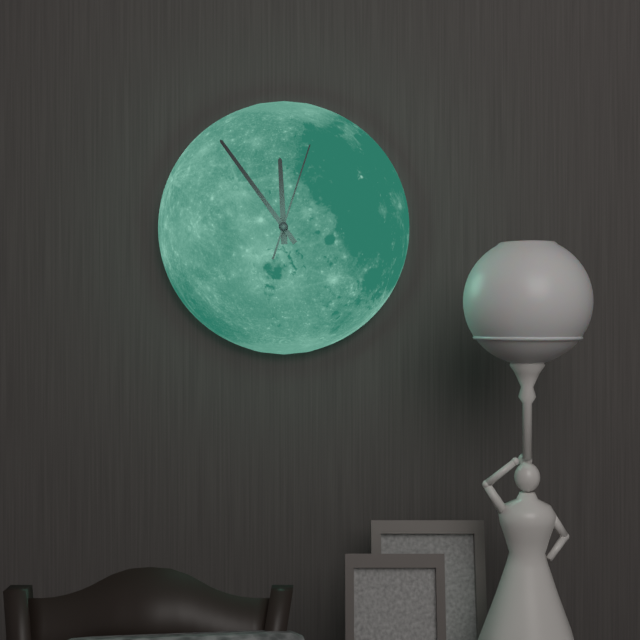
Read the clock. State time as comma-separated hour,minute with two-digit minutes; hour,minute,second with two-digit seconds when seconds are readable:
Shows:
11,54,03
